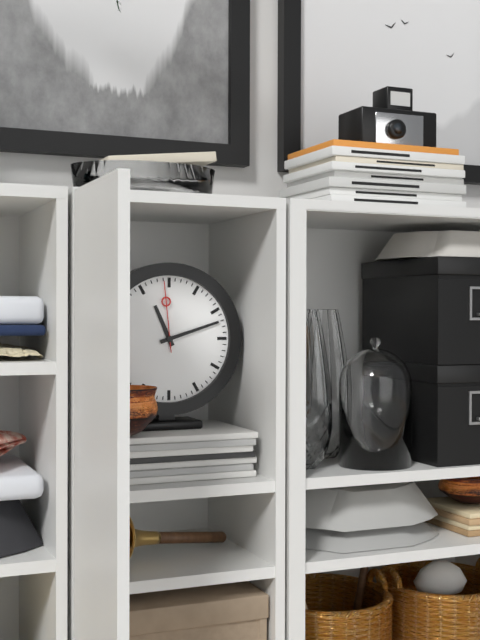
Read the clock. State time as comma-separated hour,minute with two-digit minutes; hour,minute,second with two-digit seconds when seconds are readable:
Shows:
11,12,59
